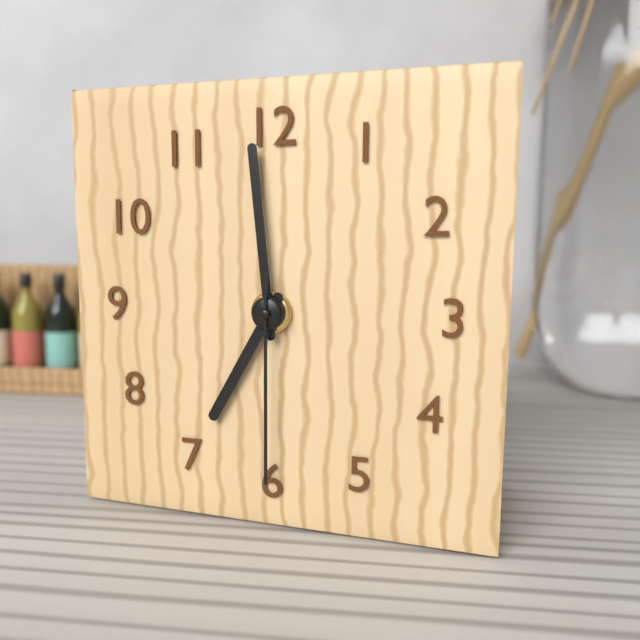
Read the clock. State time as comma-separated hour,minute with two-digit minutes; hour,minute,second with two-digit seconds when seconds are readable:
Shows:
6,59,30
